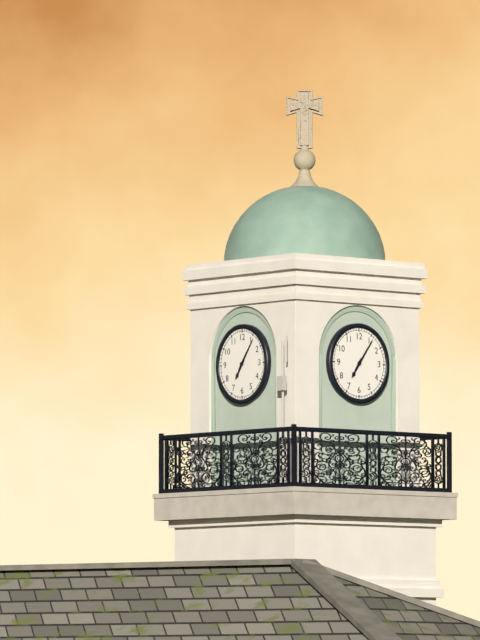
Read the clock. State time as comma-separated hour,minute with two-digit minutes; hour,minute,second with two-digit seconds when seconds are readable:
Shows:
7,06
